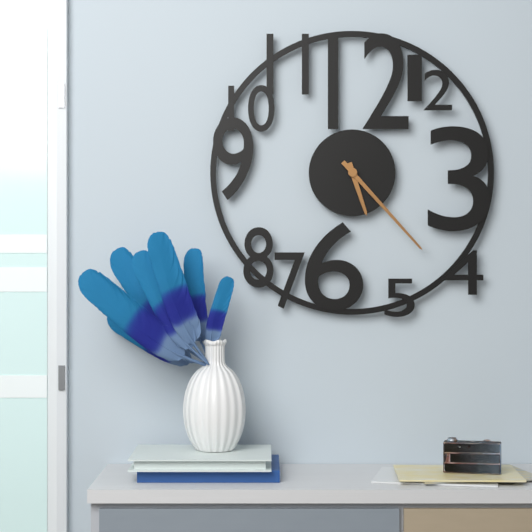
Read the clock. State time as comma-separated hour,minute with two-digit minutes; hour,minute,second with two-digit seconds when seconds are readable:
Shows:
5,23
